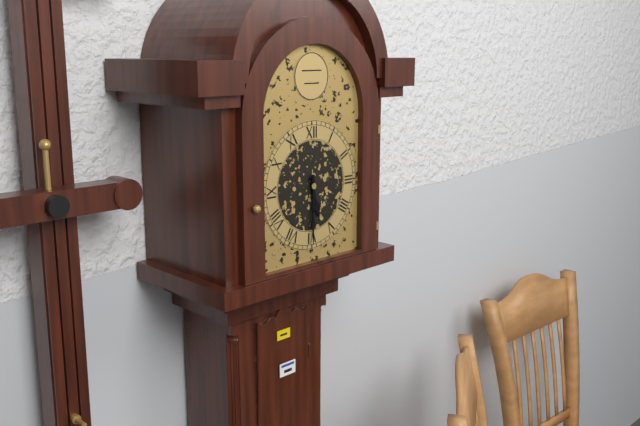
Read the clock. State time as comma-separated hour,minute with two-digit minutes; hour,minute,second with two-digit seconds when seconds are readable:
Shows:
5,30
